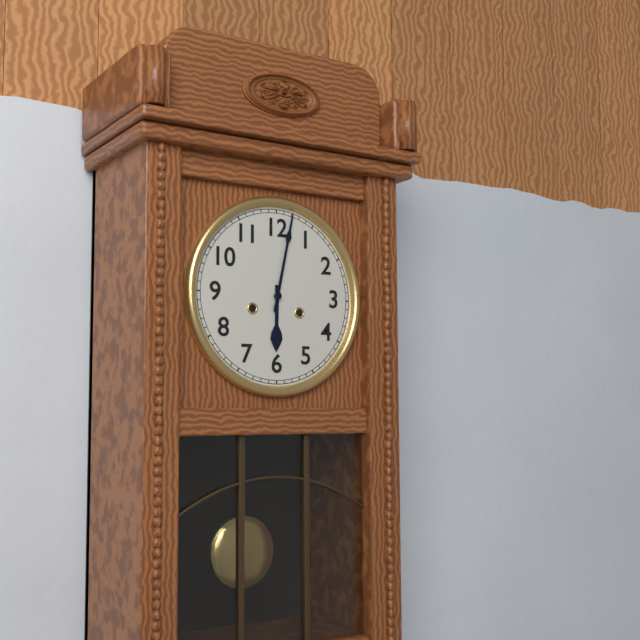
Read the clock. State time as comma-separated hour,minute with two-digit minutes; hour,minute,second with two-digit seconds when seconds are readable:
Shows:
6,02
